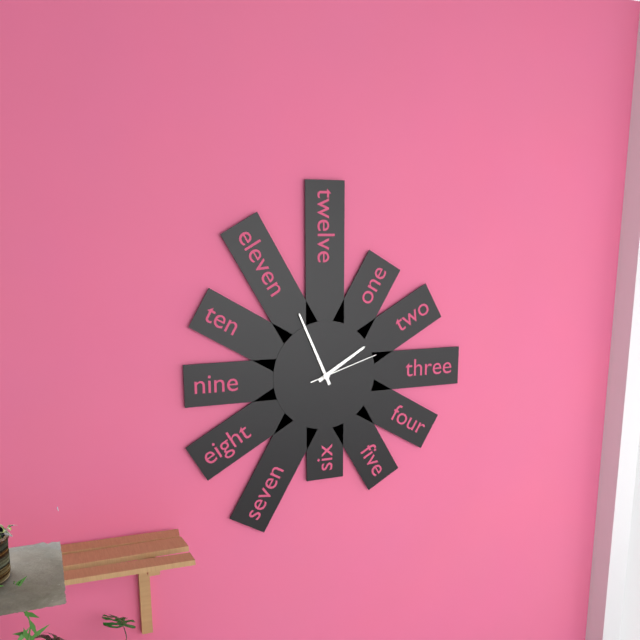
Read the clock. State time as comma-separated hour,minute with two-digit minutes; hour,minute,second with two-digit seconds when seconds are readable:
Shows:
1,56,12
